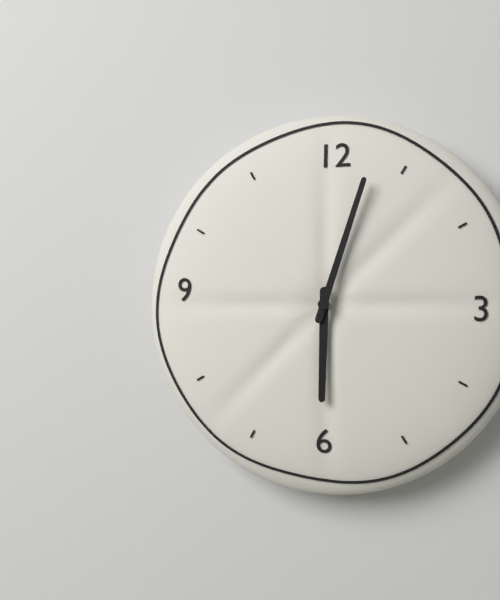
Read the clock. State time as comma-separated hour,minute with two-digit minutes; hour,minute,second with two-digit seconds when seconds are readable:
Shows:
6,03
